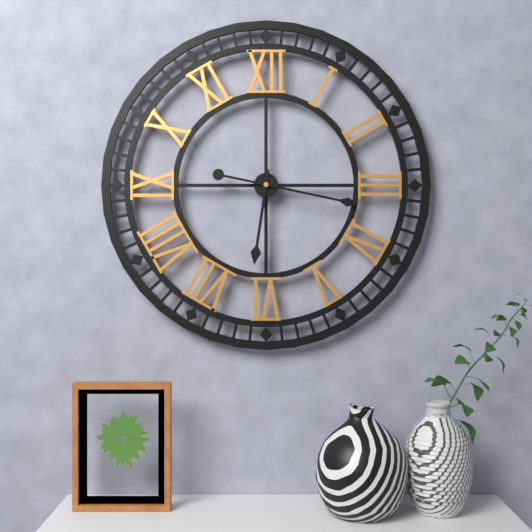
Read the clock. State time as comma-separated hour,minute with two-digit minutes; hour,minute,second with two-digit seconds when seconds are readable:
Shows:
6,17
